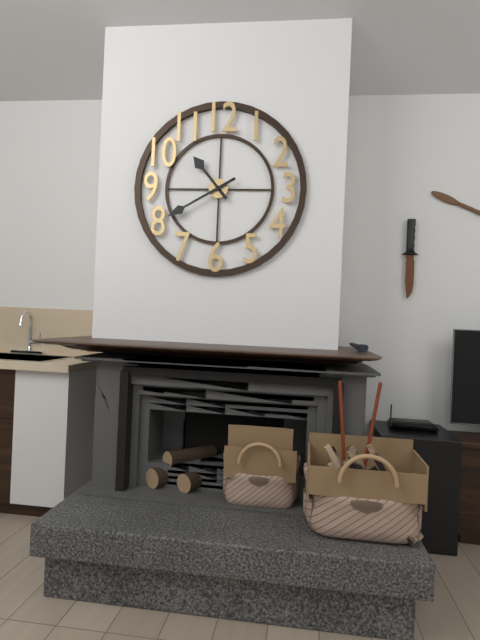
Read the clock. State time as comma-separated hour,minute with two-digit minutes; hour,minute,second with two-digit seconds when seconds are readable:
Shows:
10,40
